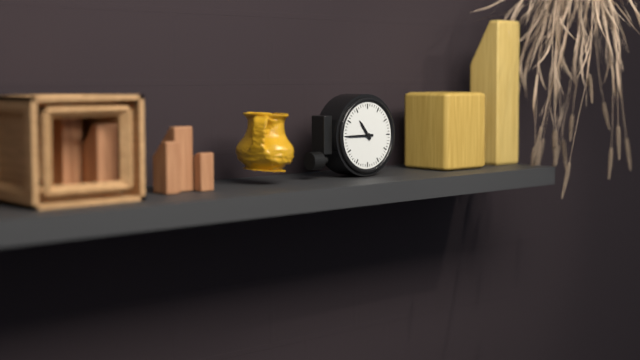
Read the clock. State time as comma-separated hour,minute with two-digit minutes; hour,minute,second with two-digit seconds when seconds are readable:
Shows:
10,45
